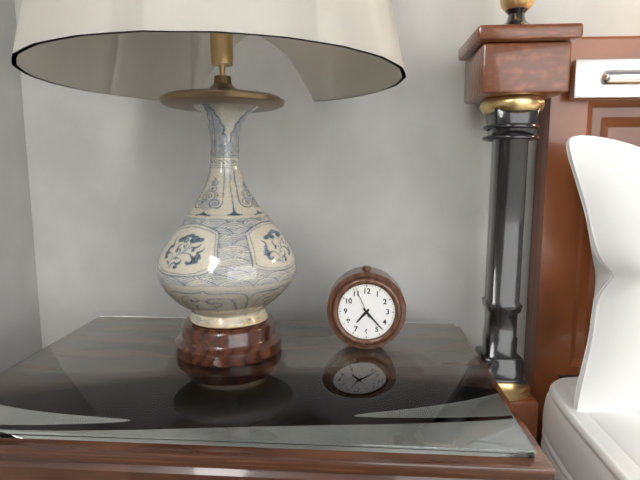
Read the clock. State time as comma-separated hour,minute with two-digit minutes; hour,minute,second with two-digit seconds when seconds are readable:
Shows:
7,23
